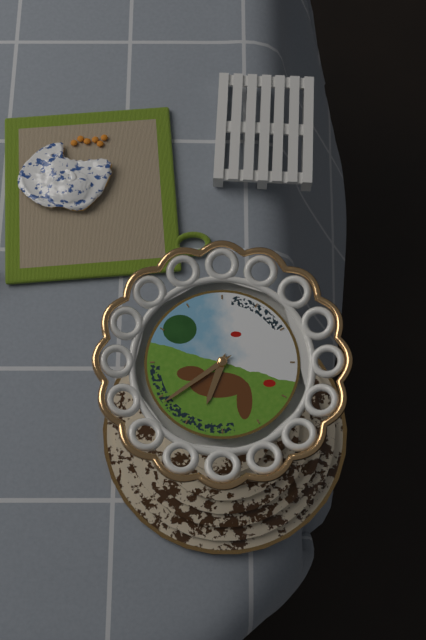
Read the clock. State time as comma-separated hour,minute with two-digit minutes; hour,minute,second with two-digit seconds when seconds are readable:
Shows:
6,39
